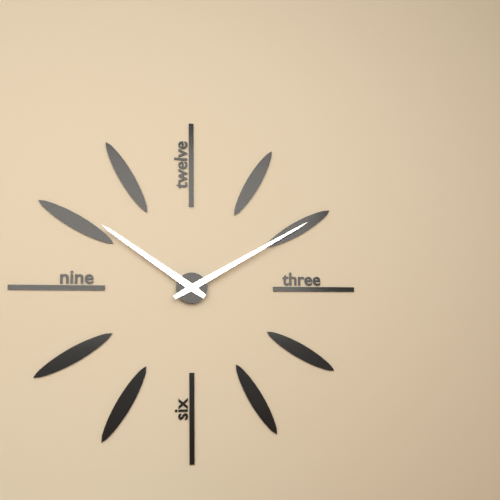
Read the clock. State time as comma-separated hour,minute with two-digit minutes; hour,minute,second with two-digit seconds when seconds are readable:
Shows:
10,10
